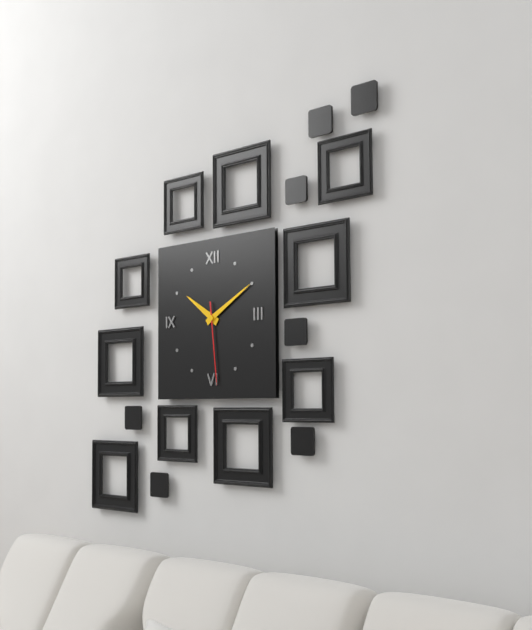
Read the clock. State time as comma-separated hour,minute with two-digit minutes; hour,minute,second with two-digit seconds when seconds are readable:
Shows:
10,10,29
